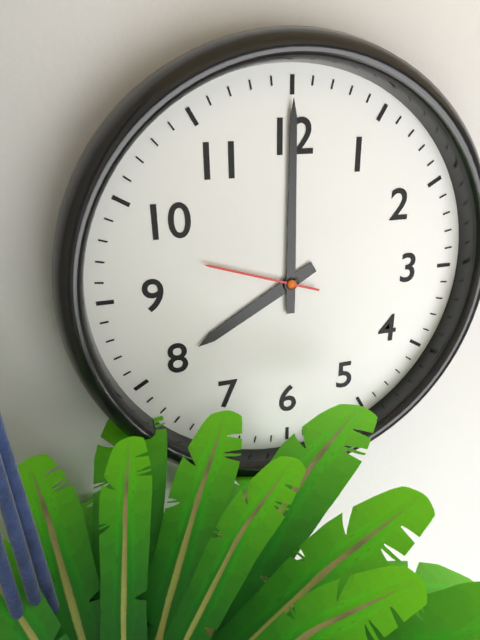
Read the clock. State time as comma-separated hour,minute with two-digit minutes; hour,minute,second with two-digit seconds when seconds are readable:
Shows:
8,00,48
